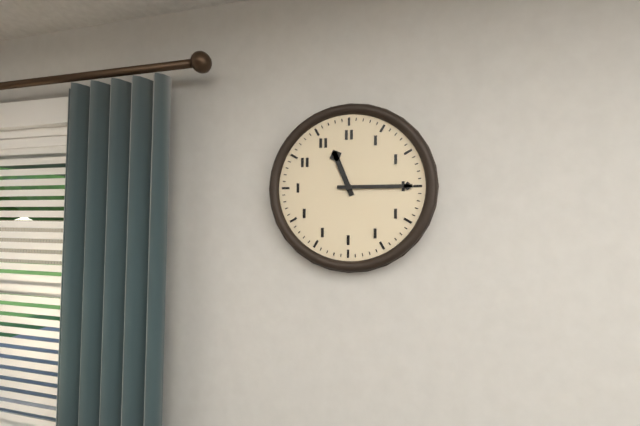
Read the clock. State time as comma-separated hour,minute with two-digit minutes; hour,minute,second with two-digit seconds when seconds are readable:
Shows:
11,15
